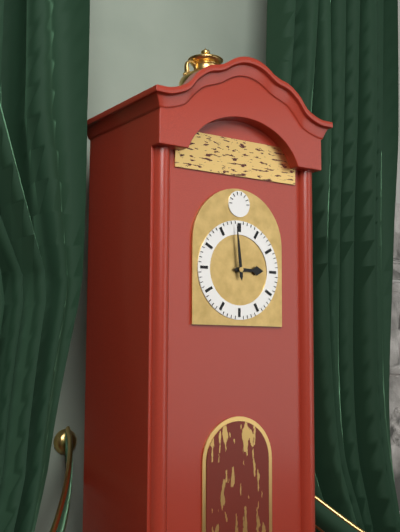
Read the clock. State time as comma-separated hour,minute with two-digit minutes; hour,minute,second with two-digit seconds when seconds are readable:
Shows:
2,59
